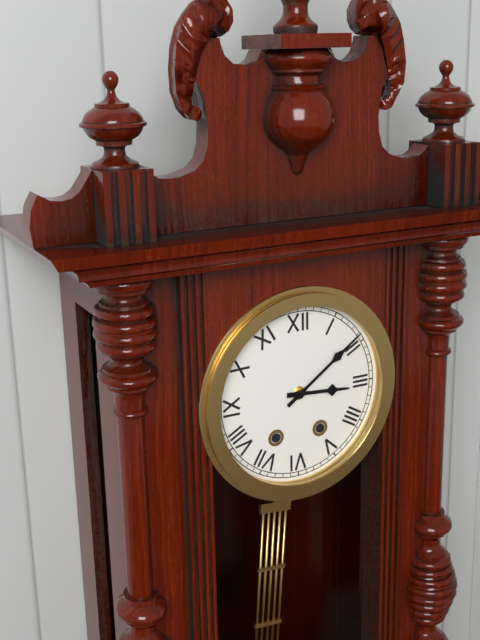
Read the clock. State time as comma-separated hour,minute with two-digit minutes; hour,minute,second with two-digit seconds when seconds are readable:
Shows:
3,09
